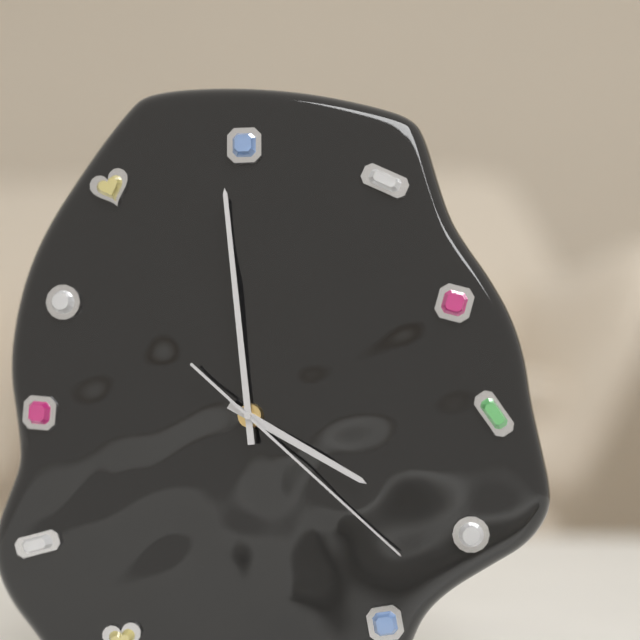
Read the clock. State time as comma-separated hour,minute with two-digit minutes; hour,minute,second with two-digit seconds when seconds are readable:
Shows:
3,59,22
